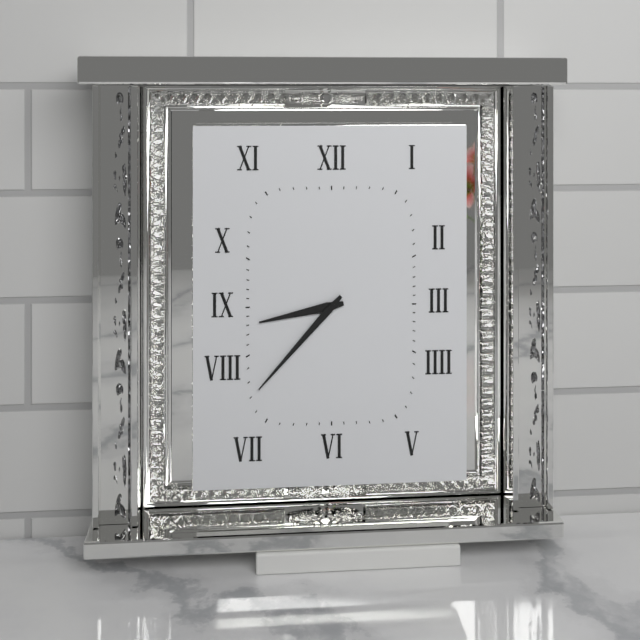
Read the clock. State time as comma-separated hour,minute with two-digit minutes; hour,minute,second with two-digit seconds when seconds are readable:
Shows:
8,37
